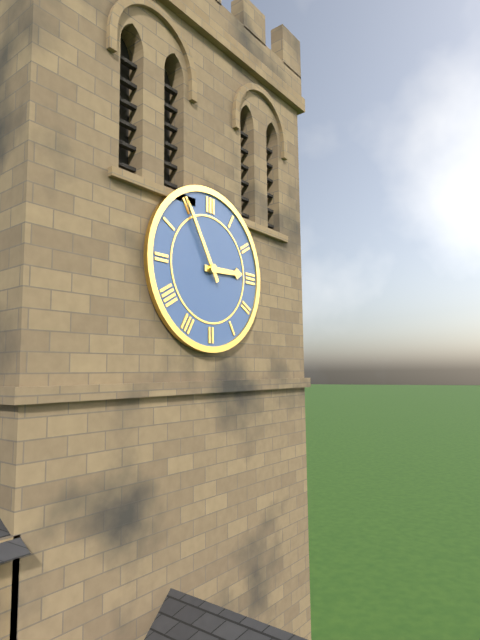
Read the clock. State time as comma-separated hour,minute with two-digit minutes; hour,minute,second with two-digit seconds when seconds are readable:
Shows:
2,55
